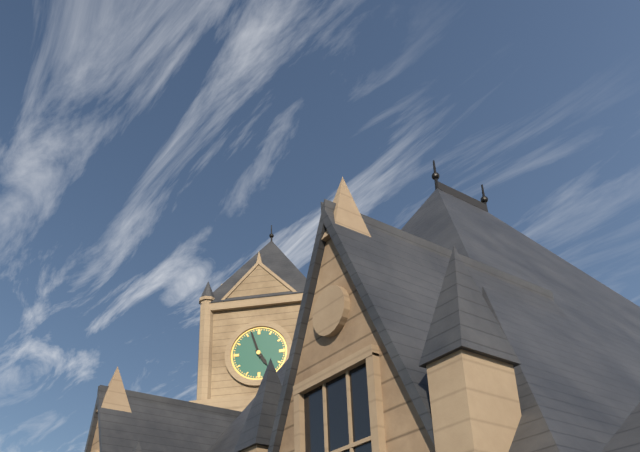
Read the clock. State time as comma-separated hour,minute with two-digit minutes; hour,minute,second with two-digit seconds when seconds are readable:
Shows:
4,57
